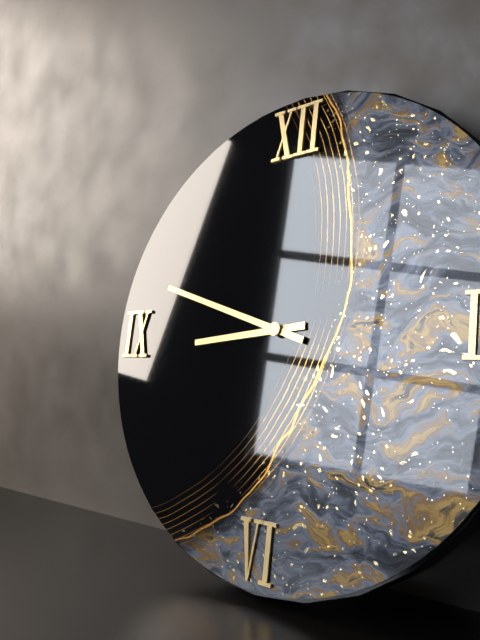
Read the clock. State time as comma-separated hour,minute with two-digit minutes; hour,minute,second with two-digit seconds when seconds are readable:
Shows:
8,48
